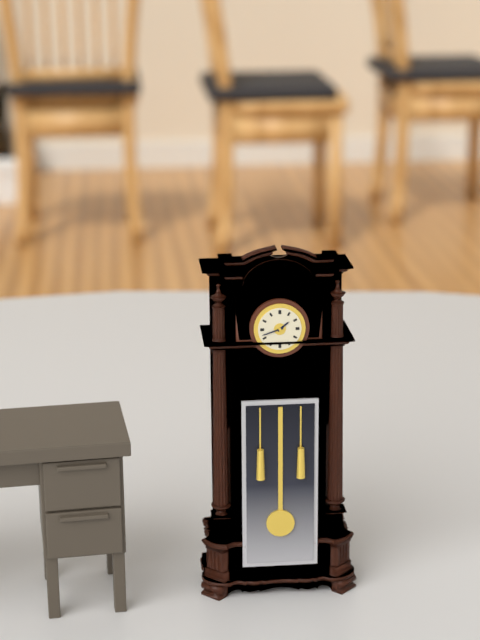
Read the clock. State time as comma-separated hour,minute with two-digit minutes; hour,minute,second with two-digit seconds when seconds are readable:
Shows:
1,42
